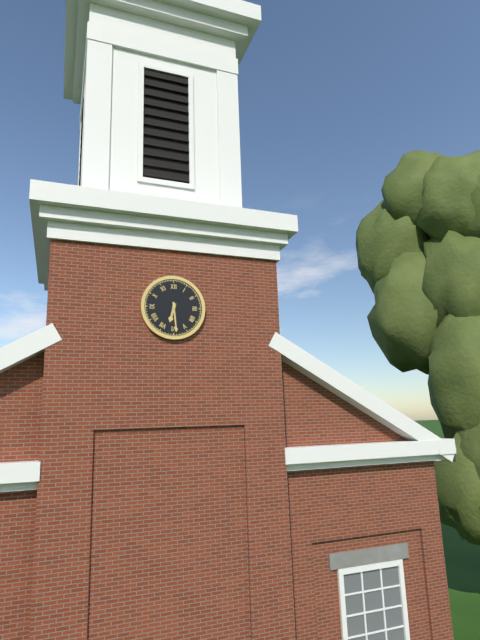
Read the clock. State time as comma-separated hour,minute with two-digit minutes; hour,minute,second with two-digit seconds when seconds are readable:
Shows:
6,29
